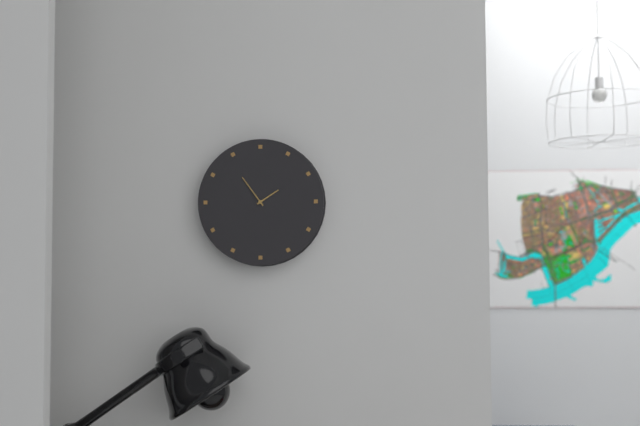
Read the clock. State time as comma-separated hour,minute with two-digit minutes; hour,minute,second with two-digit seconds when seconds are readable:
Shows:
1,54
